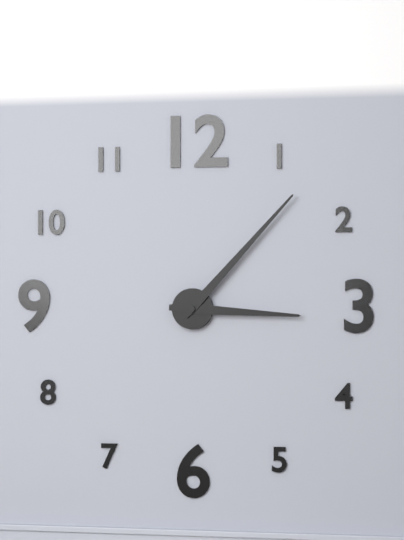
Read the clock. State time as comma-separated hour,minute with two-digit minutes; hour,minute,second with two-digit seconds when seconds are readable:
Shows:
3,07
